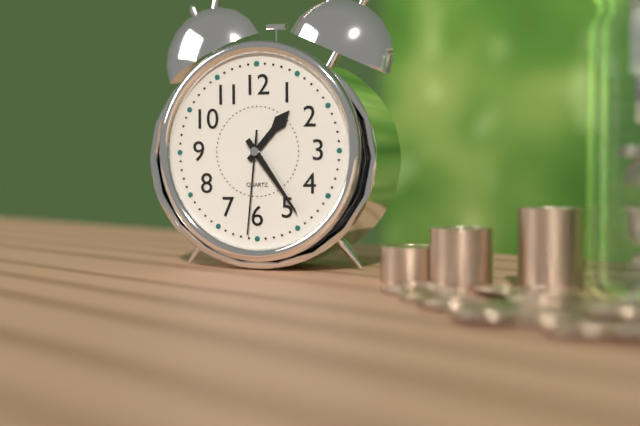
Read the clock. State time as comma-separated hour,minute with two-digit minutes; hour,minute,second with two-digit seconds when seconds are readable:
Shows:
1,24,31
